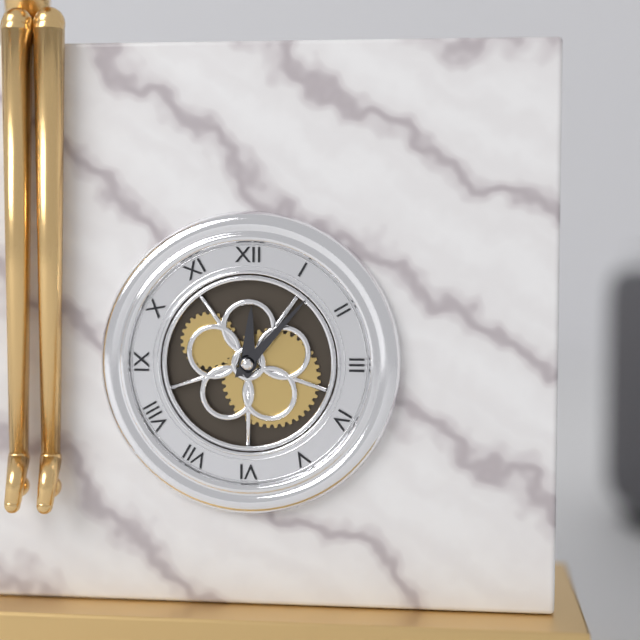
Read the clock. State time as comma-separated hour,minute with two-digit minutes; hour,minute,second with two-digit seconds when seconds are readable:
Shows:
12,07
